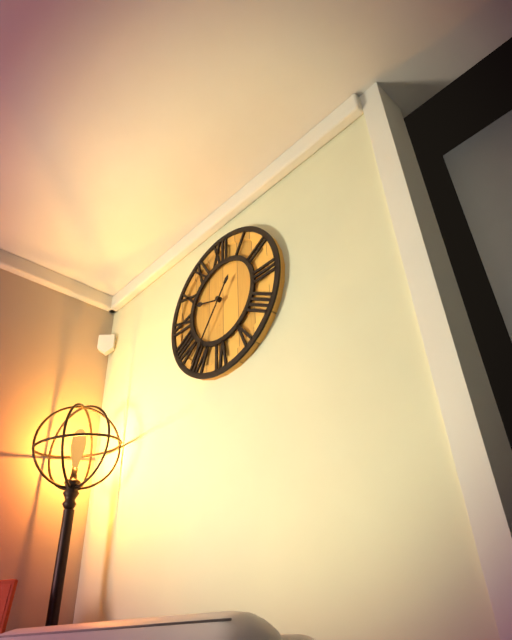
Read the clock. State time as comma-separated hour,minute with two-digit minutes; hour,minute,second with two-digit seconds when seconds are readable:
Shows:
9,36
